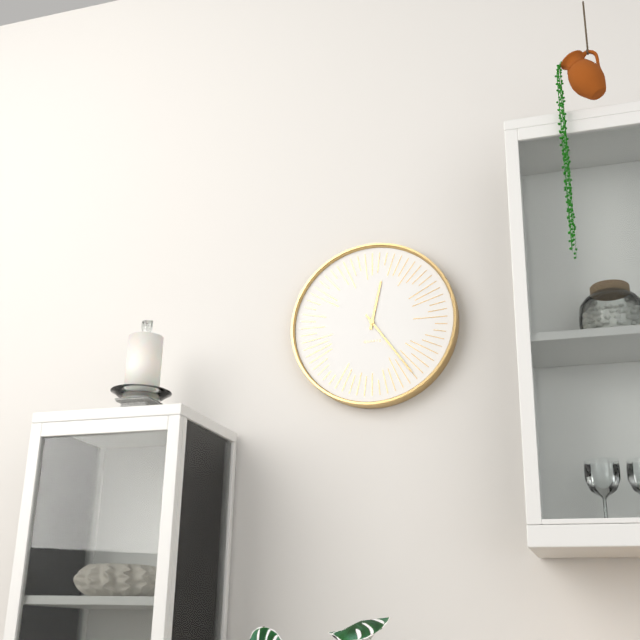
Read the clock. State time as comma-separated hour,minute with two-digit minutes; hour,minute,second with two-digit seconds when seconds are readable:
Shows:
12,24
